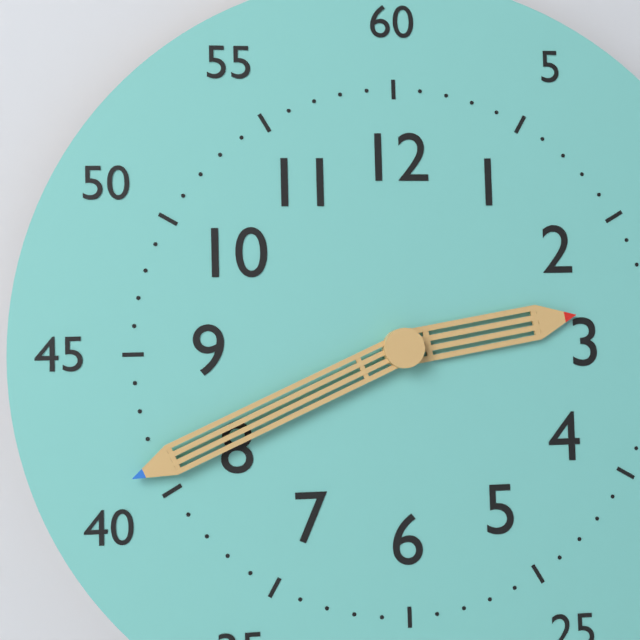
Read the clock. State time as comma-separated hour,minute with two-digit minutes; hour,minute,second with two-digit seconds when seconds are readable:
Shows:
2,41
